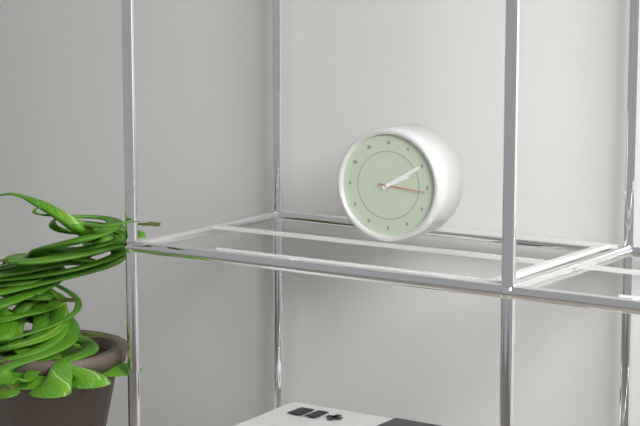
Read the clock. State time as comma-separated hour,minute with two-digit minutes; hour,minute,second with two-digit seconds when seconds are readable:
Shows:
2,10
